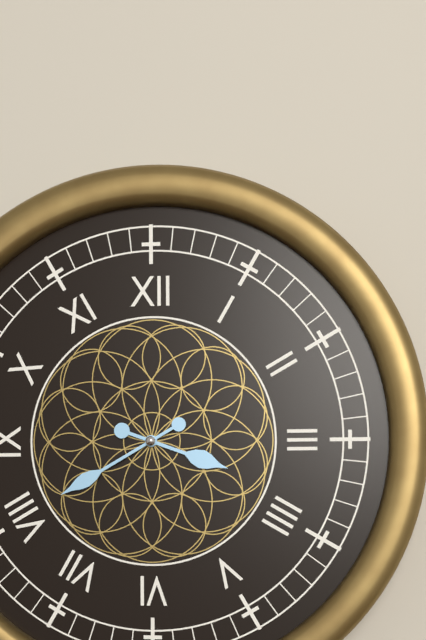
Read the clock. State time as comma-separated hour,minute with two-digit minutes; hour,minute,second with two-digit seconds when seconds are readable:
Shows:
3,40
